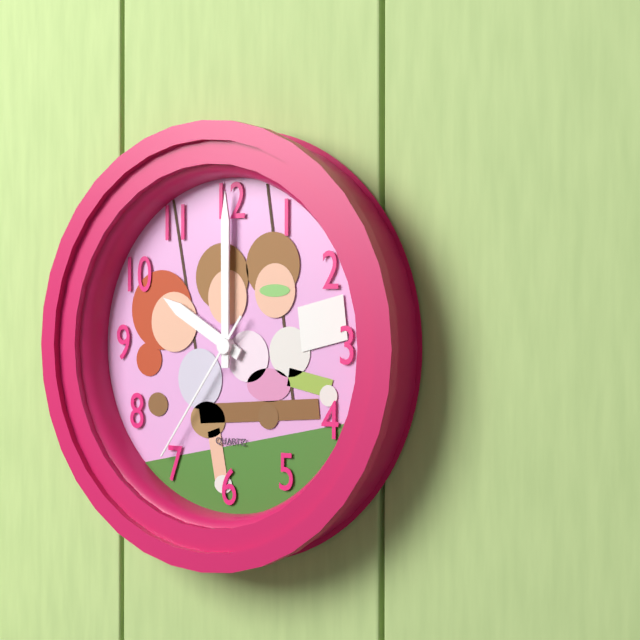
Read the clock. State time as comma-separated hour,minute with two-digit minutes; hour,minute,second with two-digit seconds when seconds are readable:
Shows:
10,00,36
